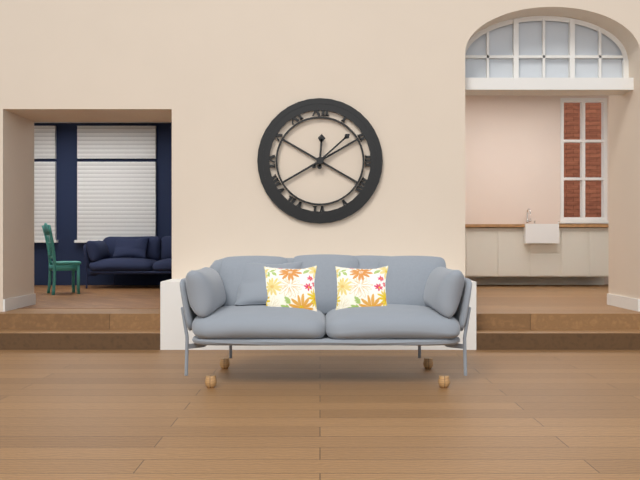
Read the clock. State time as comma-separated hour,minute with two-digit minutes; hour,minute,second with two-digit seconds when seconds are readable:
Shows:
12,08
